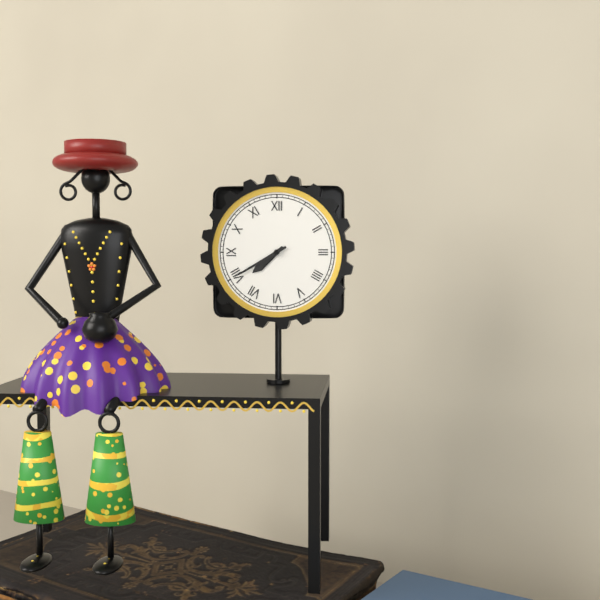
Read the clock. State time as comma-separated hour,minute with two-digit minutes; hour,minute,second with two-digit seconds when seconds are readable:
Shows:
7,40
